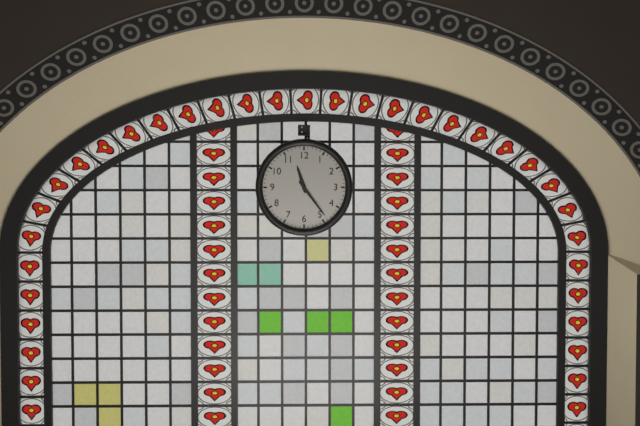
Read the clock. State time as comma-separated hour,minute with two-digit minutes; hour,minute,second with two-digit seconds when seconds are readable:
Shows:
11,24
